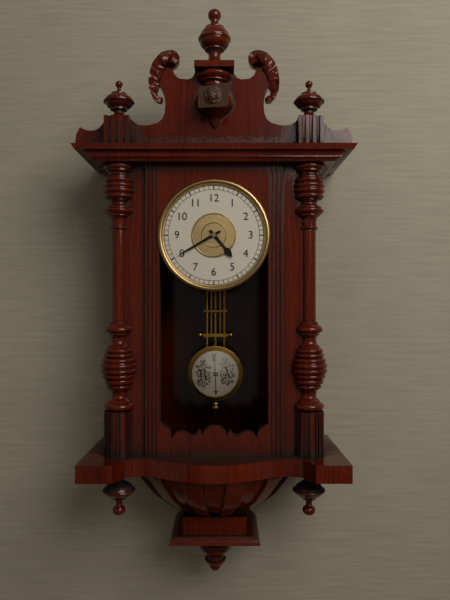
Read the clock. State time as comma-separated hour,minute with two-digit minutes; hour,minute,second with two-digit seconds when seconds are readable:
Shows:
4,40
